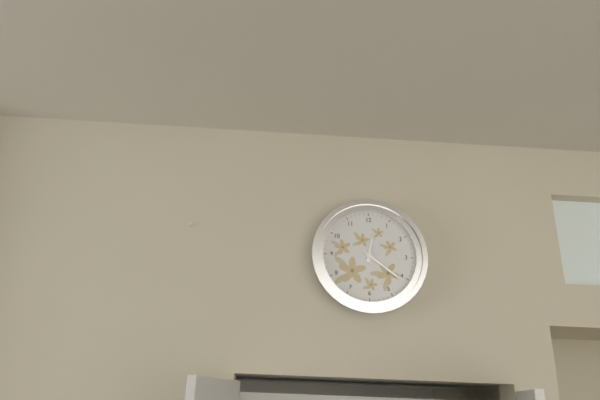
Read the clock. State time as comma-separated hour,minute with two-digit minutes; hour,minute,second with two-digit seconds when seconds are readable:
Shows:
12,21
